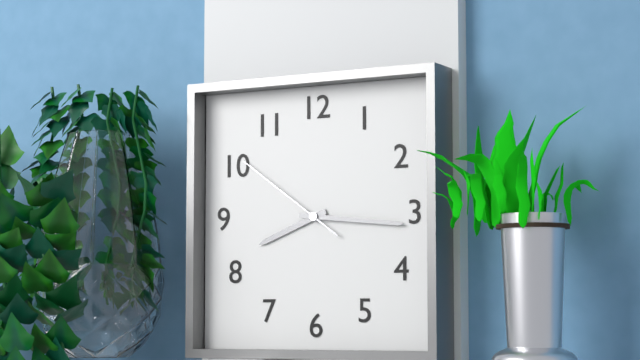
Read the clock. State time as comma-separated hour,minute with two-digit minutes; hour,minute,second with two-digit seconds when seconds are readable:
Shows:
8,16,51
